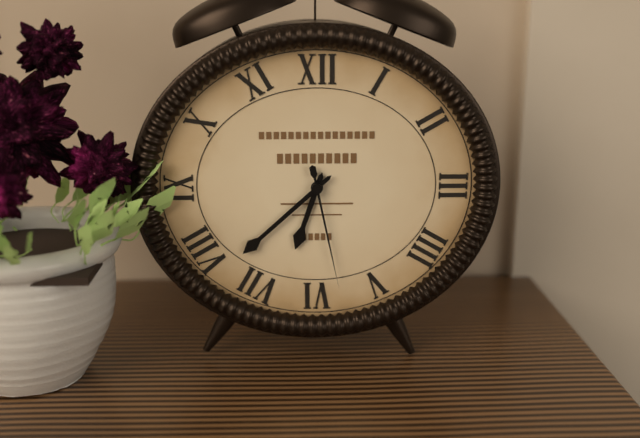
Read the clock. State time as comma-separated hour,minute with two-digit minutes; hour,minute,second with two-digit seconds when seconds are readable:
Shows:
6,38,28
